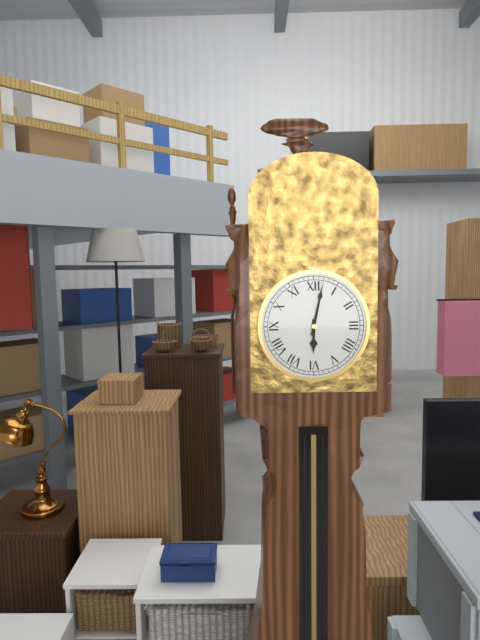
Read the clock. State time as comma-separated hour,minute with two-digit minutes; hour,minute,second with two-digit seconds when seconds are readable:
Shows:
6,02
